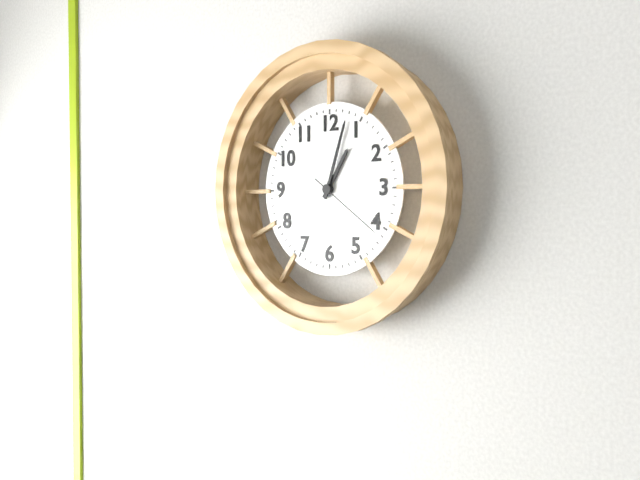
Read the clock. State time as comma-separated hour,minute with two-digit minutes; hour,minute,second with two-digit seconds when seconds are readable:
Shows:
1,03,21
